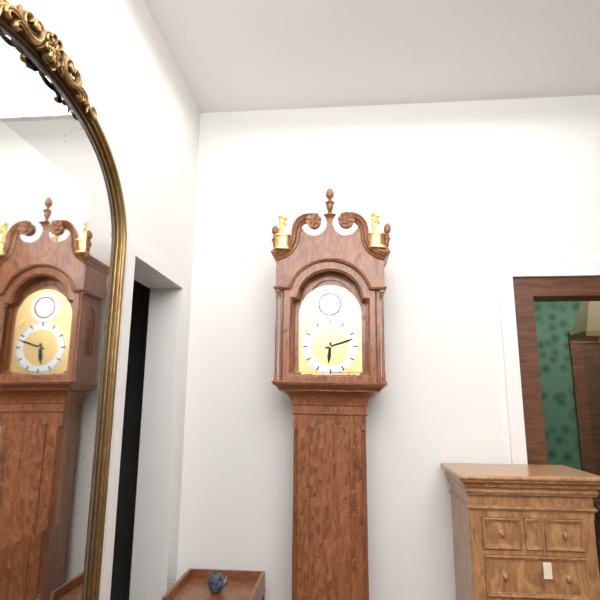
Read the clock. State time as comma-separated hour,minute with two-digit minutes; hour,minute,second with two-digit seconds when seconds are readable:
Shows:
6,12
